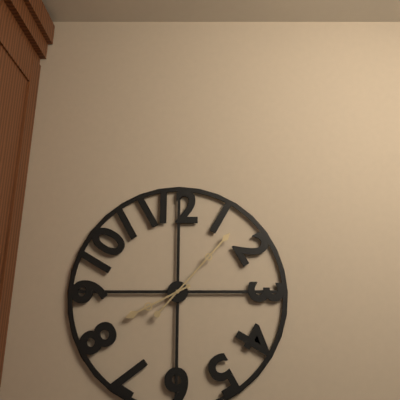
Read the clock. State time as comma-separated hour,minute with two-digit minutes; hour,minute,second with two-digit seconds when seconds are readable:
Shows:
8,07
